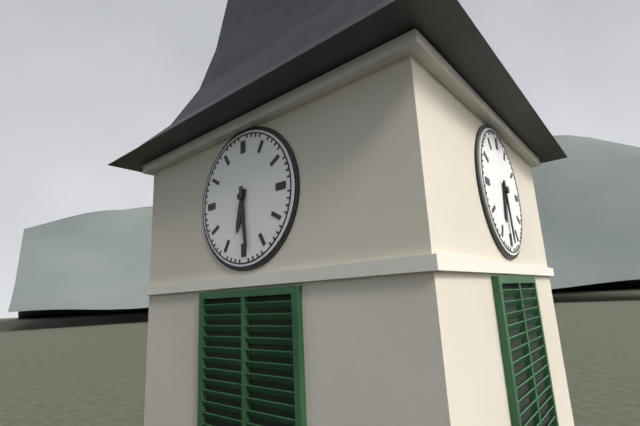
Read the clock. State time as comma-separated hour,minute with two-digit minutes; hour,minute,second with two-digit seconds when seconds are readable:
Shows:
6,29
